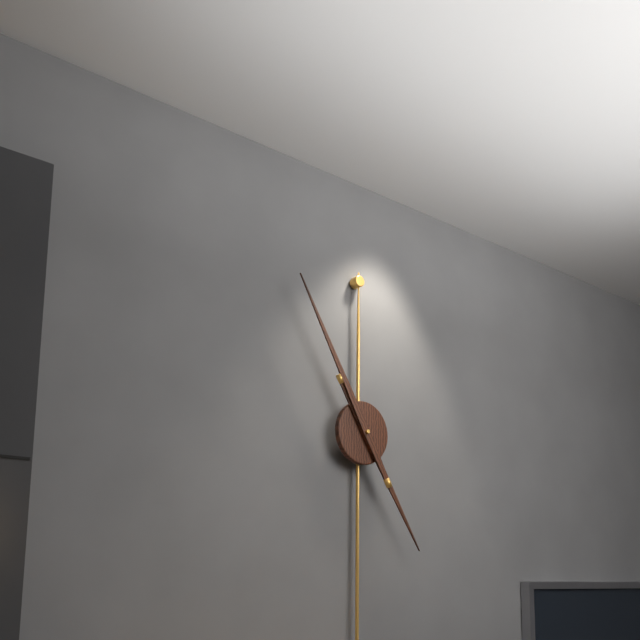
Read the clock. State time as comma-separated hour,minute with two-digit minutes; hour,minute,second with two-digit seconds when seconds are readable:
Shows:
4,55
